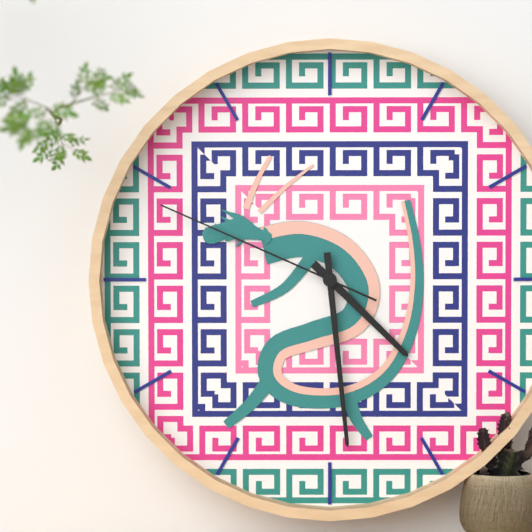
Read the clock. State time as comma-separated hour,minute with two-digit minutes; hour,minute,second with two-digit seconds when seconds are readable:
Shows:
4,29,49
